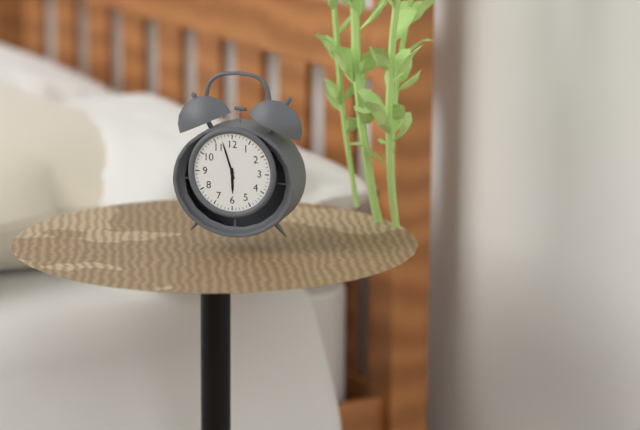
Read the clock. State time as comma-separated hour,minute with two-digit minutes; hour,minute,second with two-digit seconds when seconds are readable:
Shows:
5,57
